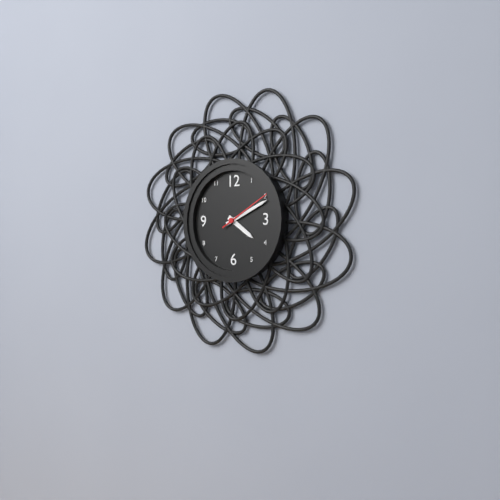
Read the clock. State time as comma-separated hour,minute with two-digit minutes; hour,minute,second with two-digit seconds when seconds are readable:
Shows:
4,11
